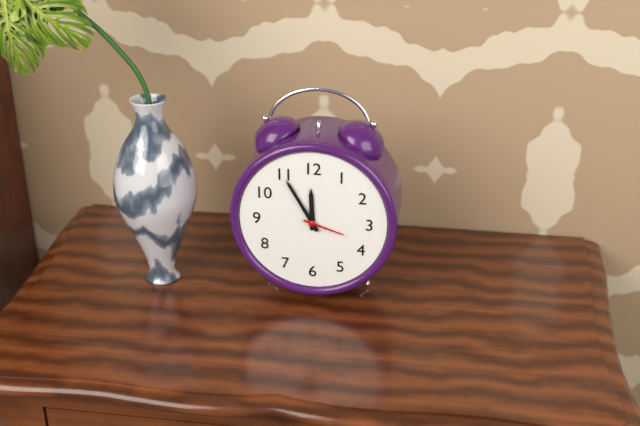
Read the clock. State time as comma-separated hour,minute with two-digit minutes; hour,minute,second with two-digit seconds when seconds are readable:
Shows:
11,55
